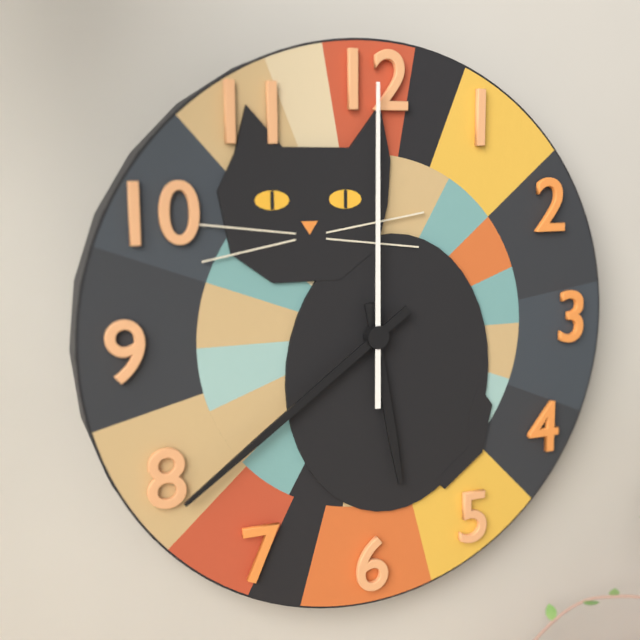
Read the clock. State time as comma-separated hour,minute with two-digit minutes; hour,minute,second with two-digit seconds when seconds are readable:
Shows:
5,39,00
